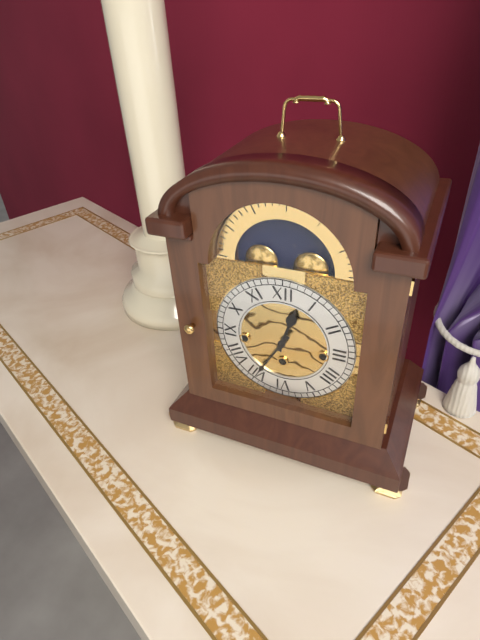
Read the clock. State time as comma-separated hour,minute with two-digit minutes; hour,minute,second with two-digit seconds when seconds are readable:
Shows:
12,35
